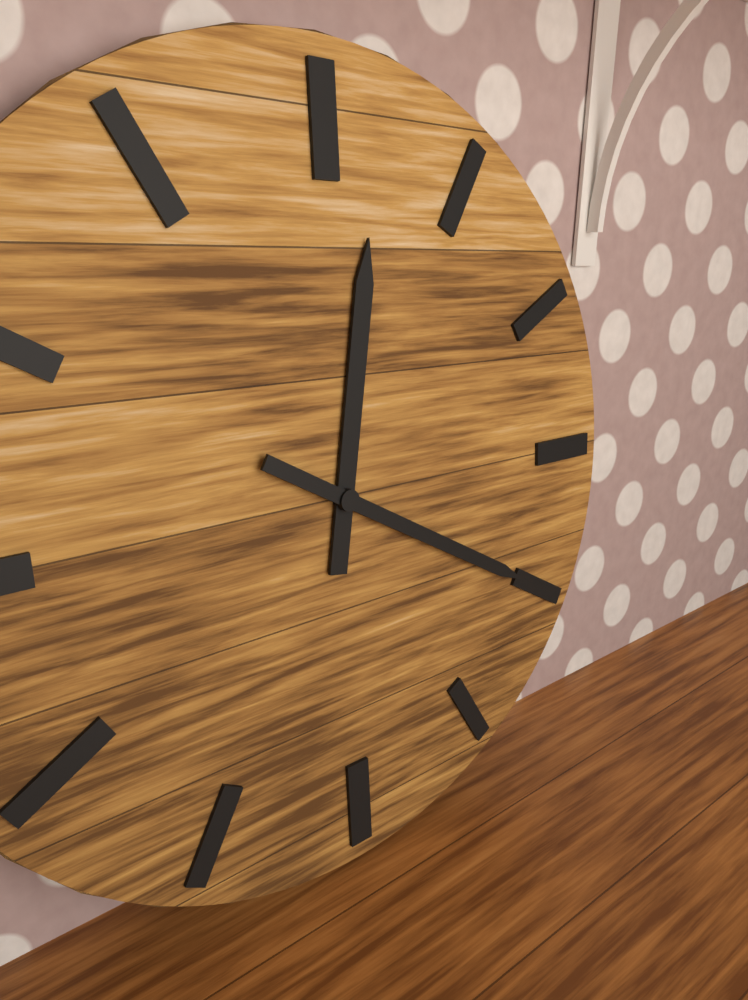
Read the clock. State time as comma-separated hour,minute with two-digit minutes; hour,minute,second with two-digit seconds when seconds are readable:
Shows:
12,20
